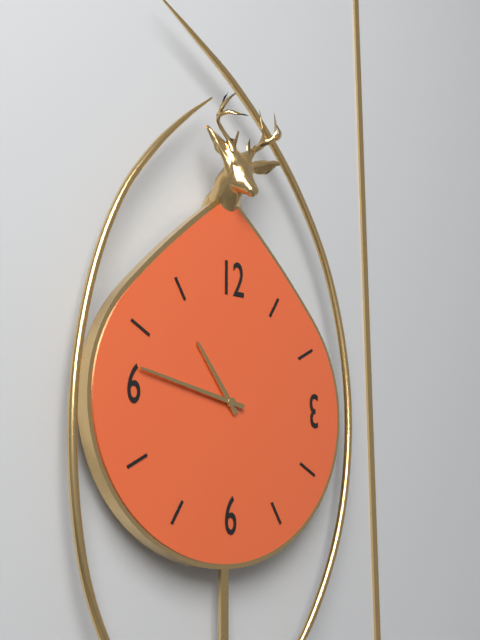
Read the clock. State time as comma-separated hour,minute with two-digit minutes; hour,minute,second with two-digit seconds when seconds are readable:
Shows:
10,47
